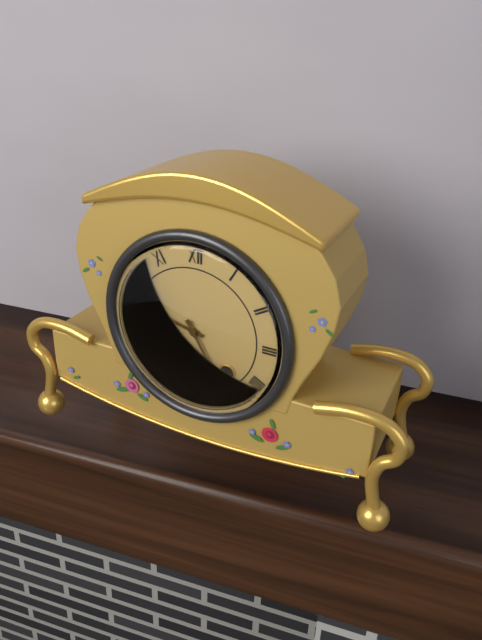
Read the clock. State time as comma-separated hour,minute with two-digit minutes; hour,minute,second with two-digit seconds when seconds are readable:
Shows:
9,25
